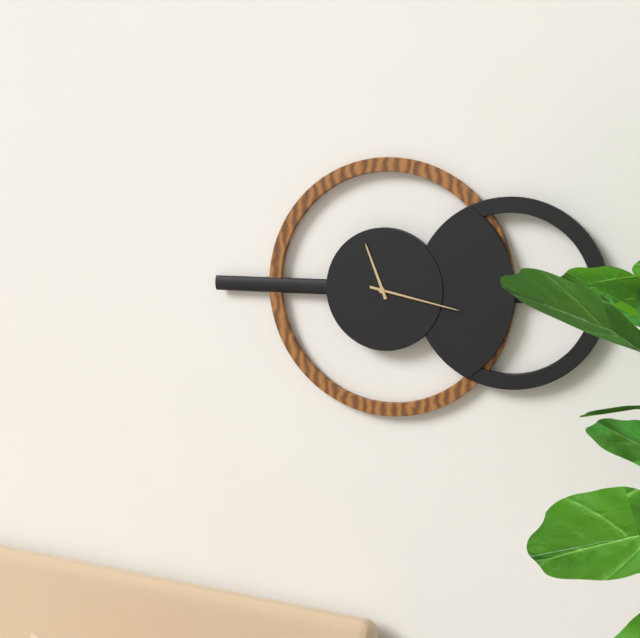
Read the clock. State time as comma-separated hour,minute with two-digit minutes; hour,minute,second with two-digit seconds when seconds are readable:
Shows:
11,17
